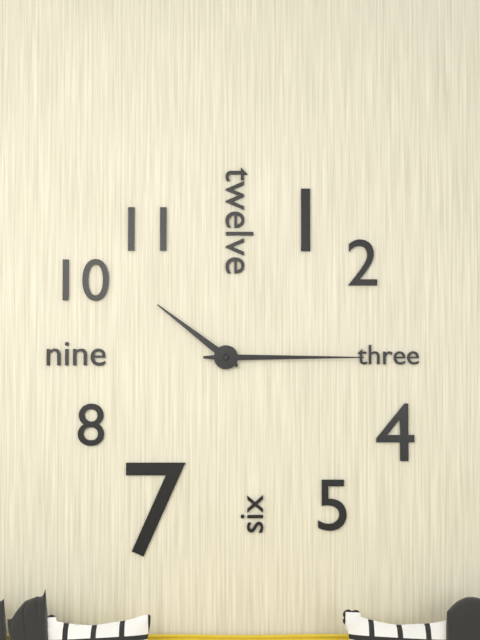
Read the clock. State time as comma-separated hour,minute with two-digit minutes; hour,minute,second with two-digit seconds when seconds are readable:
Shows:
10,15
